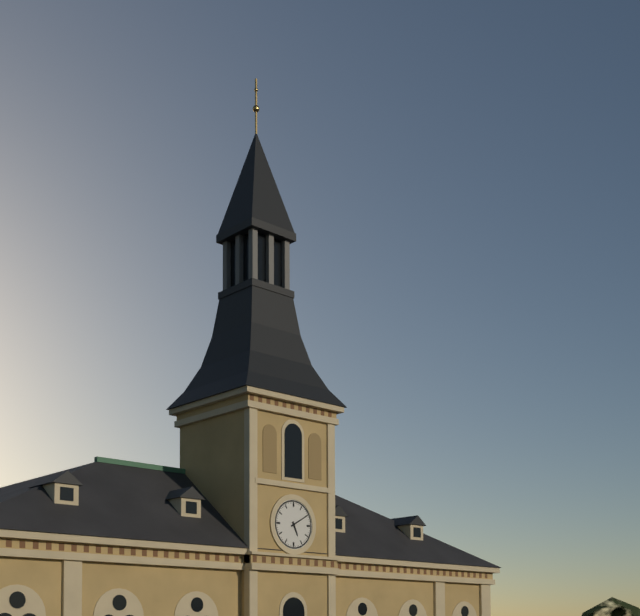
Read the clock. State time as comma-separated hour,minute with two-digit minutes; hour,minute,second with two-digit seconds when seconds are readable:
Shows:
5,10
